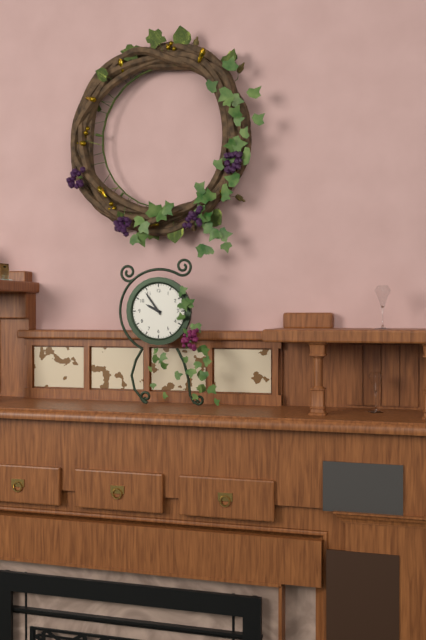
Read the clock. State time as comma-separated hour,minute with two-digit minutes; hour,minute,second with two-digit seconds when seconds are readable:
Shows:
9,54
